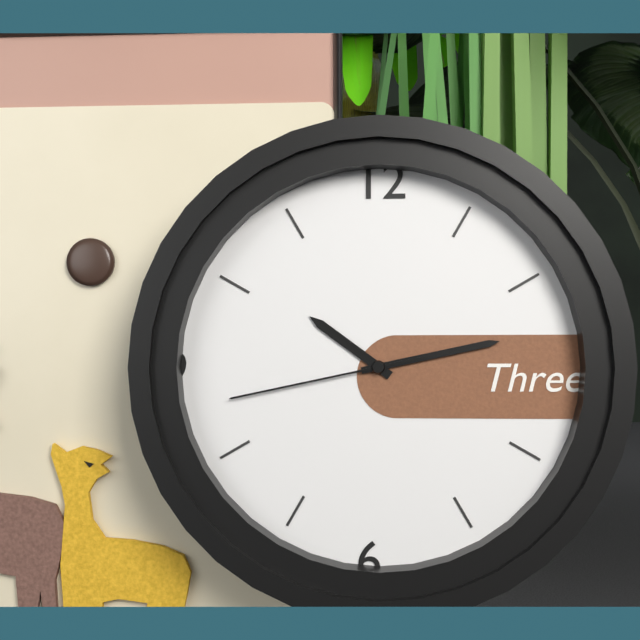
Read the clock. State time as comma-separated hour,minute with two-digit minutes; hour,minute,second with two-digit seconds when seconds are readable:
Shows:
10,13,43
